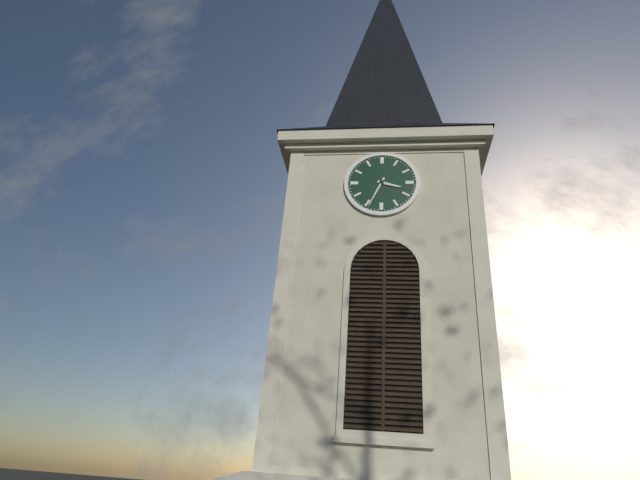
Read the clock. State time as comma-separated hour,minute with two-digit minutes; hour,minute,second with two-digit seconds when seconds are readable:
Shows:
3,34
